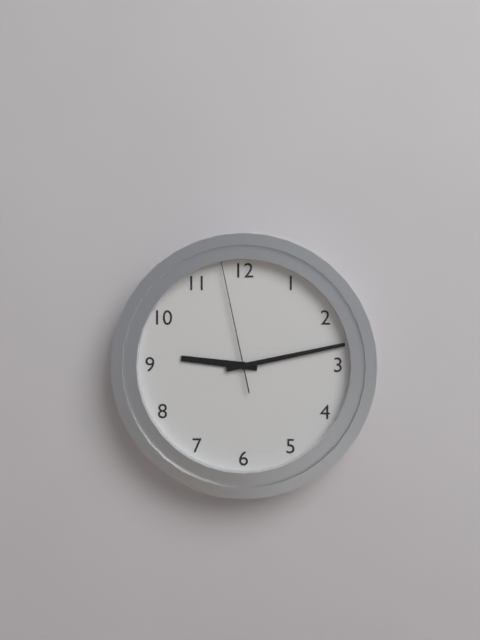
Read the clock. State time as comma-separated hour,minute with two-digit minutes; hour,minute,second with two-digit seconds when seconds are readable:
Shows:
9,13,58
